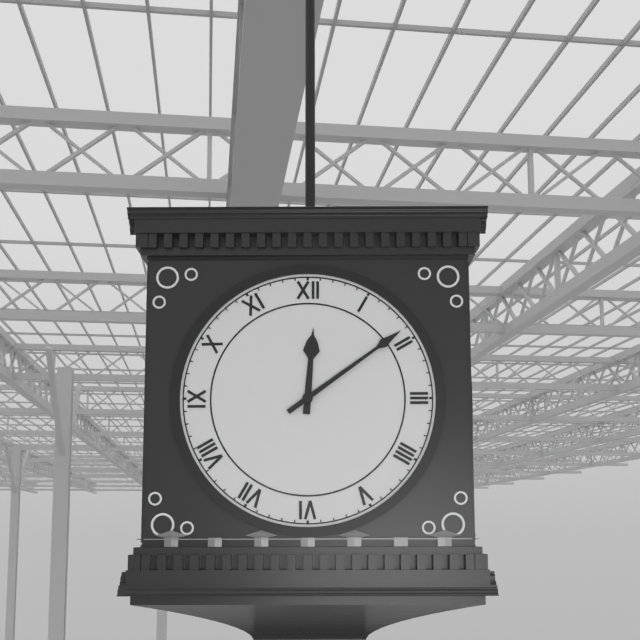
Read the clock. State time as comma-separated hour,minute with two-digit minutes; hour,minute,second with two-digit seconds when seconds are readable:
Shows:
12,09
